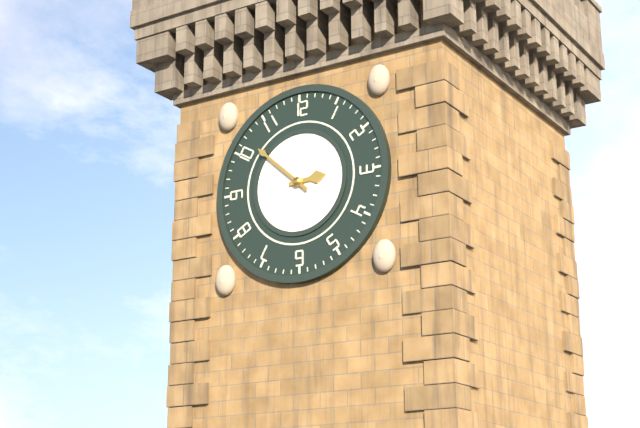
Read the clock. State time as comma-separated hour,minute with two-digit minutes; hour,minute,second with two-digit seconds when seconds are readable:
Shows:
2,52
